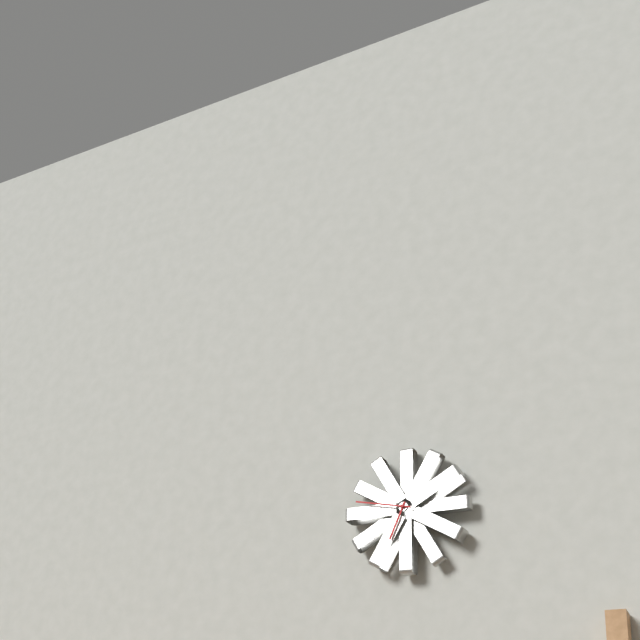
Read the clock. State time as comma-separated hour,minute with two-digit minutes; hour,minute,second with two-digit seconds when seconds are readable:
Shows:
6,47
